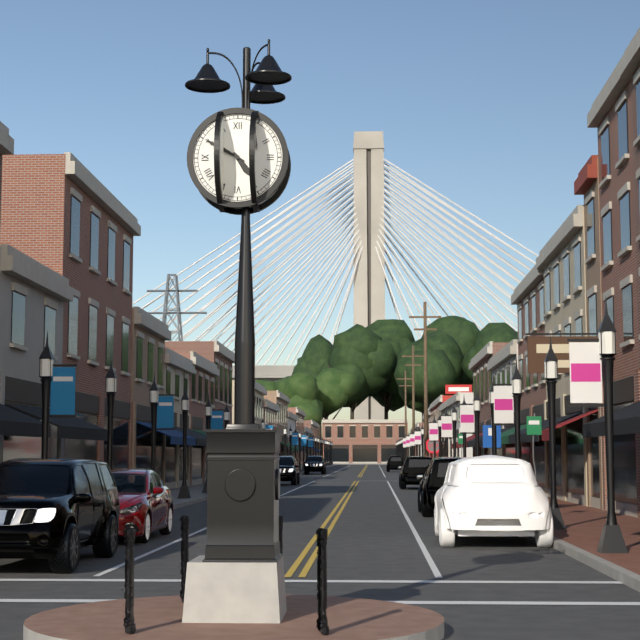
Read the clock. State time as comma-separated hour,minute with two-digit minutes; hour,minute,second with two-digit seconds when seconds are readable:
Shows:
4,50
